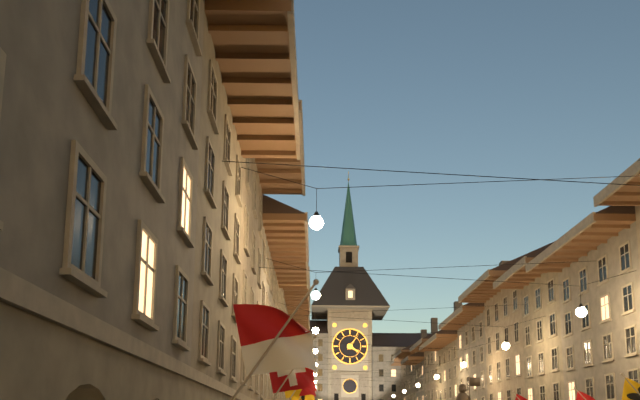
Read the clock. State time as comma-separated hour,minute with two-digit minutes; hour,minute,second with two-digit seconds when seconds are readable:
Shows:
4,06
